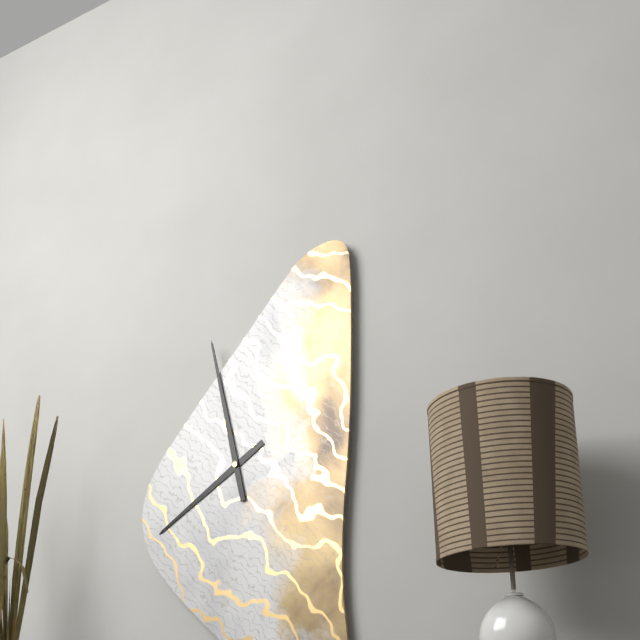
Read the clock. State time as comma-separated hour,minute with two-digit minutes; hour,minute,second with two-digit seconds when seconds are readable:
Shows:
7,58
